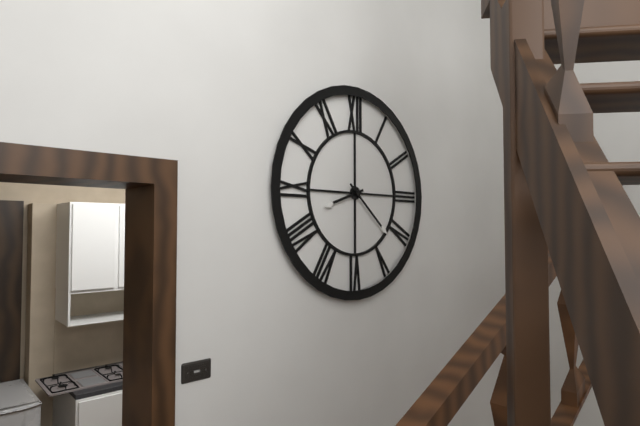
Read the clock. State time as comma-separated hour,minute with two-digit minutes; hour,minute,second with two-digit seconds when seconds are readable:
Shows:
8,22
